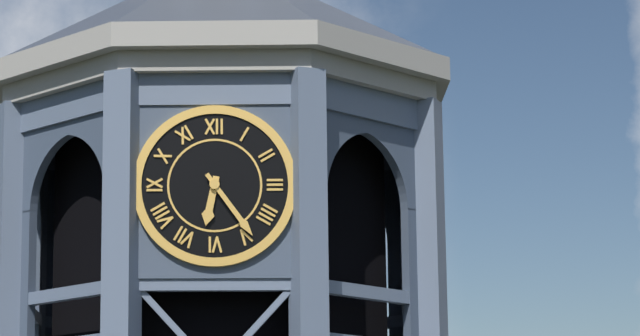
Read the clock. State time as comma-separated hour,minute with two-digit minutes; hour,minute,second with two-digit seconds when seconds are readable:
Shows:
6,24
